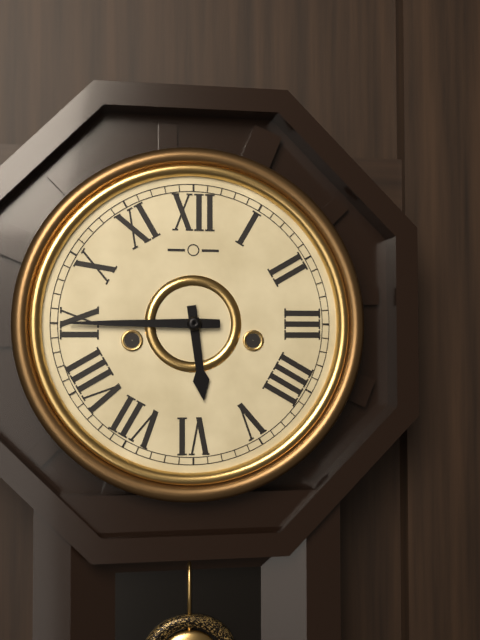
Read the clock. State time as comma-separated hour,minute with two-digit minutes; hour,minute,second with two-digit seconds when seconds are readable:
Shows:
5,45
